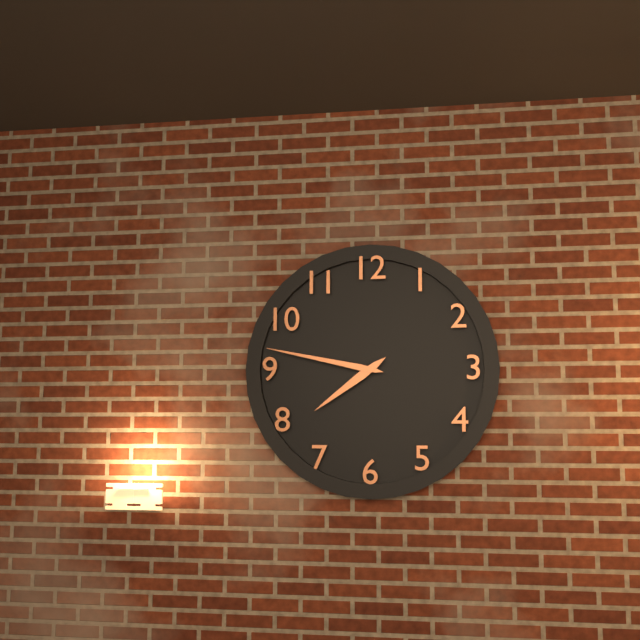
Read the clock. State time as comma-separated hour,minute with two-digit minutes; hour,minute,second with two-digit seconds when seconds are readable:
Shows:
7,47
